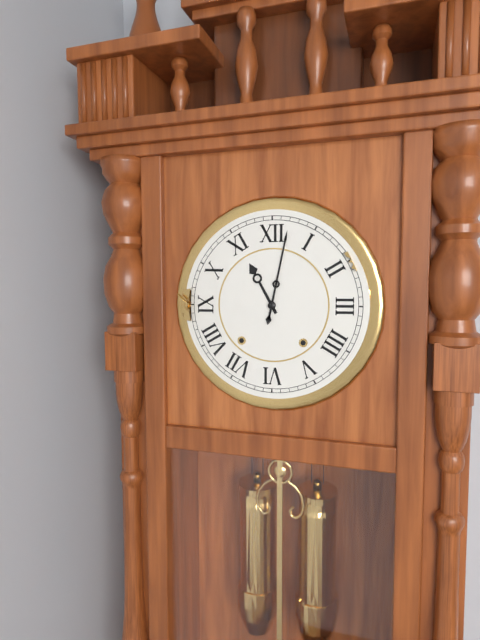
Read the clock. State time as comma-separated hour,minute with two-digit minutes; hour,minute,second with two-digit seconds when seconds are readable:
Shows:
11,02
